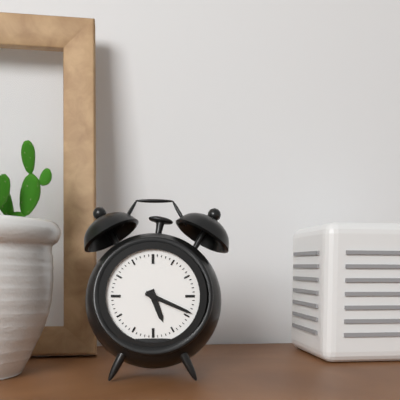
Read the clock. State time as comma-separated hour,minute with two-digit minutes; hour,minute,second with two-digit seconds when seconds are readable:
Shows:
5,19
